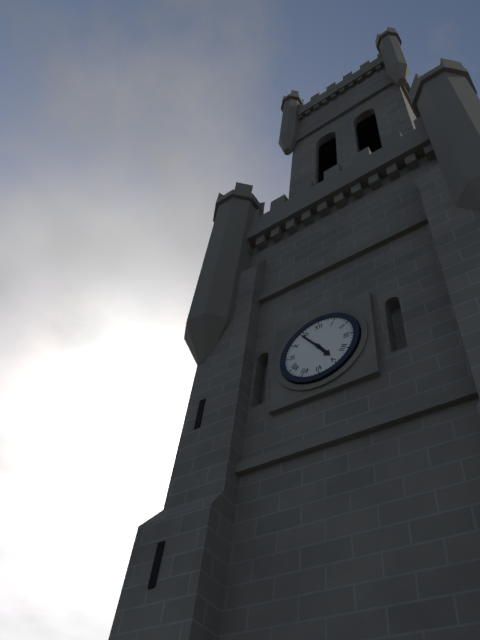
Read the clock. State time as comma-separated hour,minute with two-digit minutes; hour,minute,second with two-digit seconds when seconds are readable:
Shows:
4,54
